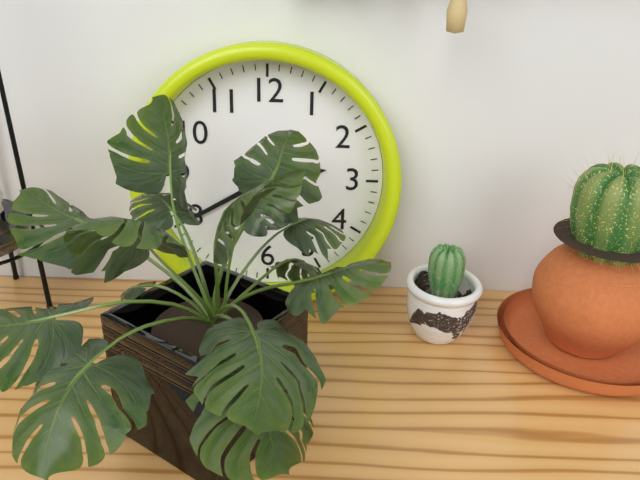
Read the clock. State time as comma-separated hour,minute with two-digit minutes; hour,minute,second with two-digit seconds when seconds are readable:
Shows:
2,40
